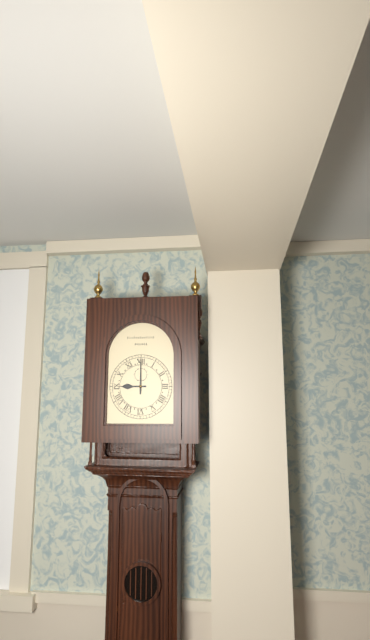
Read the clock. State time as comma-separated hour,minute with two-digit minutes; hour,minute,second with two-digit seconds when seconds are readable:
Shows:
9,00
